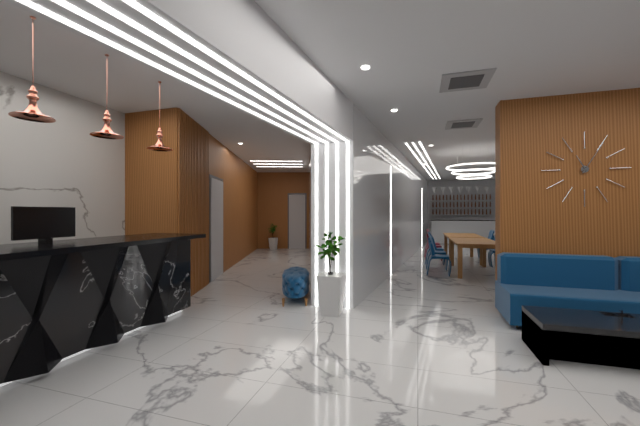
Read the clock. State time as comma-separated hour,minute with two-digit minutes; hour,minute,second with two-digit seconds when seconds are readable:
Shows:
11,05
